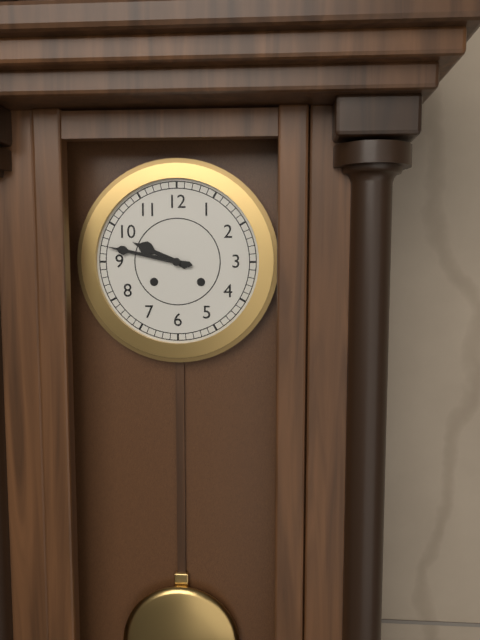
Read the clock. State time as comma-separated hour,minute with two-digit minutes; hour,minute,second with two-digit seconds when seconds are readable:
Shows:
9,47
